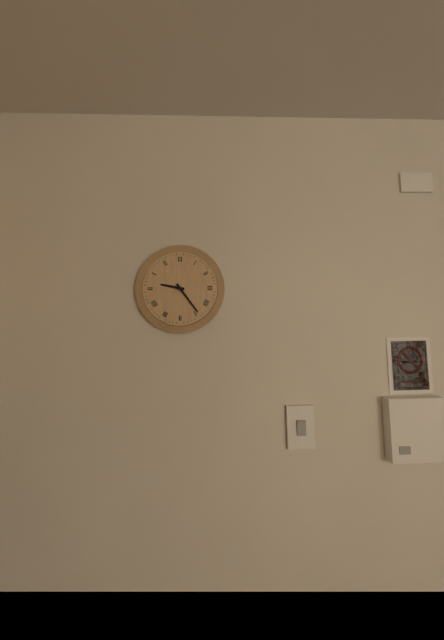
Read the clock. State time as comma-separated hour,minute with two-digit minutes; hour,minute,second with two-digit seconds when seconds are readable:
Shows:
9,24
